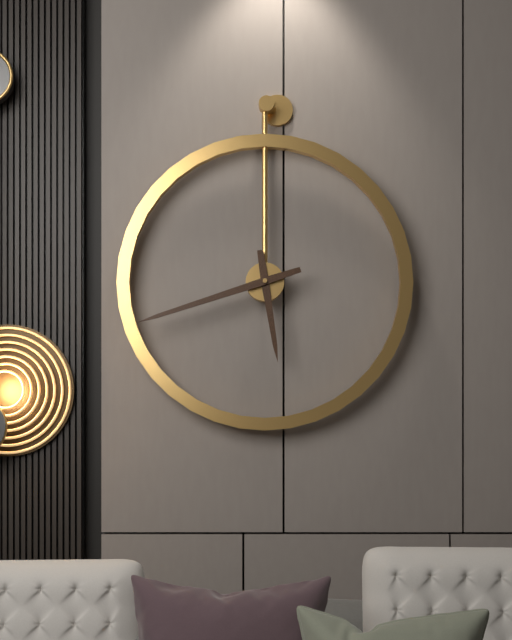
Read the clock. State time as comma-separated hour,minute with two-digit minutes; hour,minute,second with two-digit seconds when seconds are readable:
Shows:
5,42
